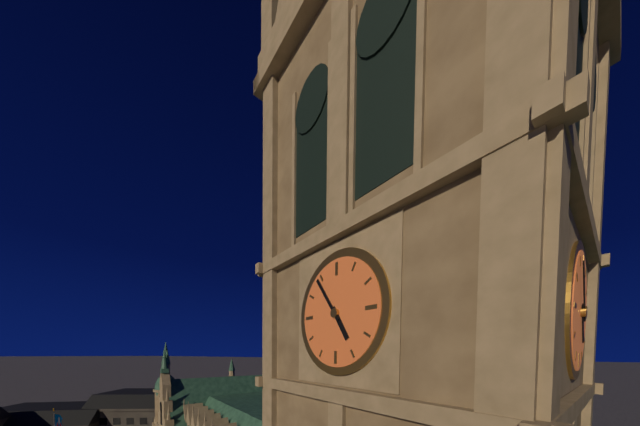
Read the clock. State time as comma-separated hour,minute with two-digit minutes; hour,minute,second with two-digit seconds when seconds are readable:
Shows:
4,54
